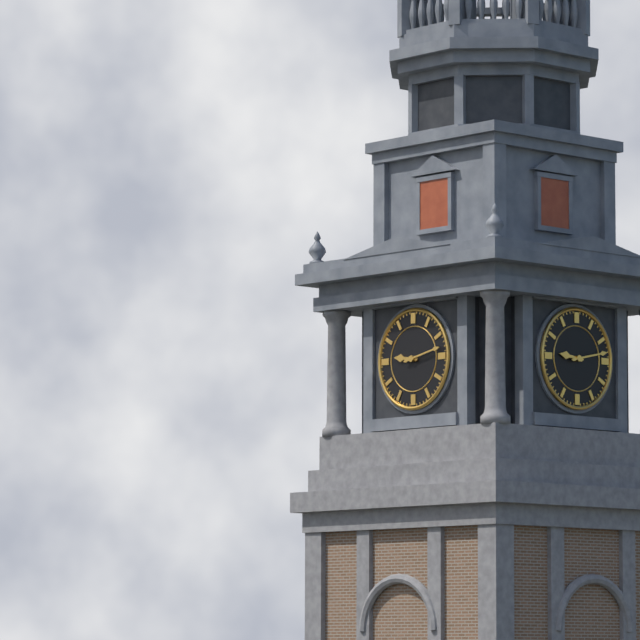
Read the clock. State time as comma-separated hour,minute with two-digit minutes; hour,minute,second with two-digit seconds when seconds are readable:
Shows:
9,13
